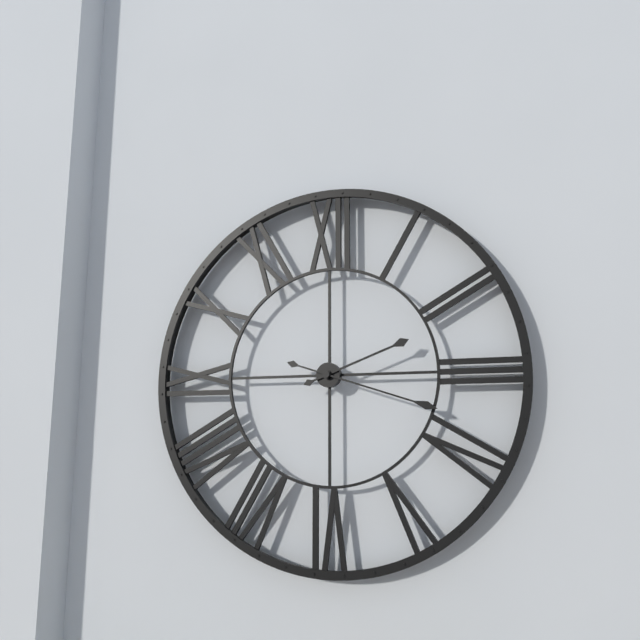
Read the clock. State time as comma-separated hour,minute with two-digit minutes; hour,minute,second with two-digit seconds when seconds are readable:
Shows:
2,18
